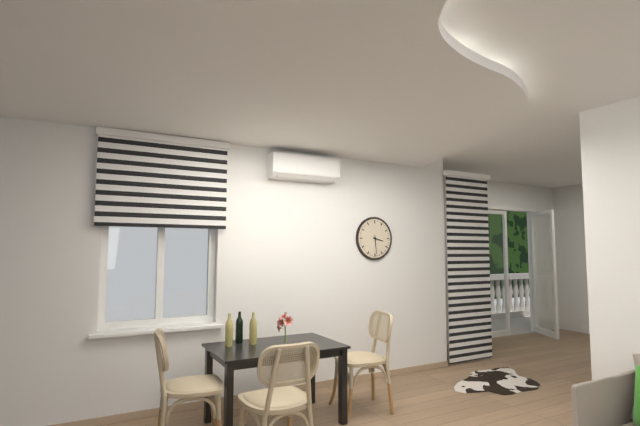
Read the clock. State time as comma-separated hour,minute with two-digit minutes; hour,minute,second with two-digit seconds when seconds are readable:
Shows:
3,29
